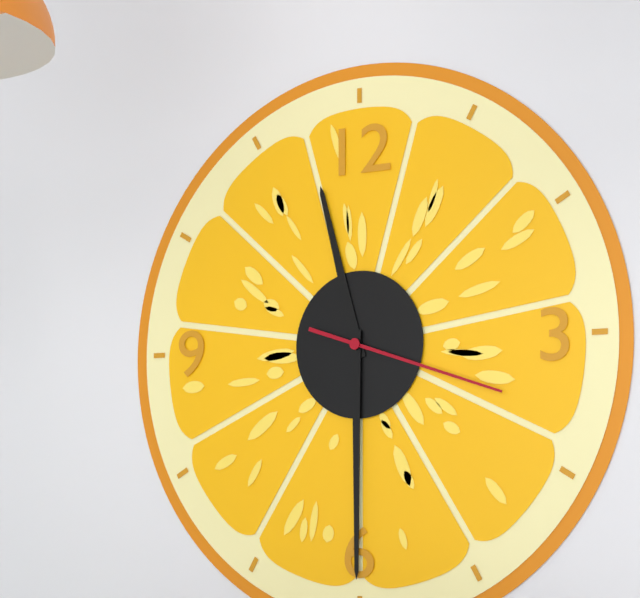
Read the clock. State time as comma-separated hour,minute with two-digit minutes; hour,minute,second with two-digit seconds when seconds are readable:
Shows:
11,30,18
